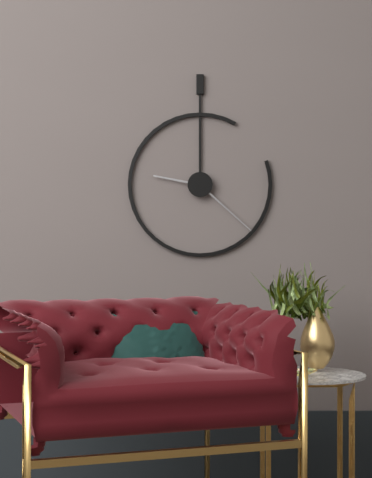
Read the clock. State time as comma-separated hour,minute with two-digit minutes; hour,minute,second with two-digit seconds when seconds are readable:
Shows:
9,22
